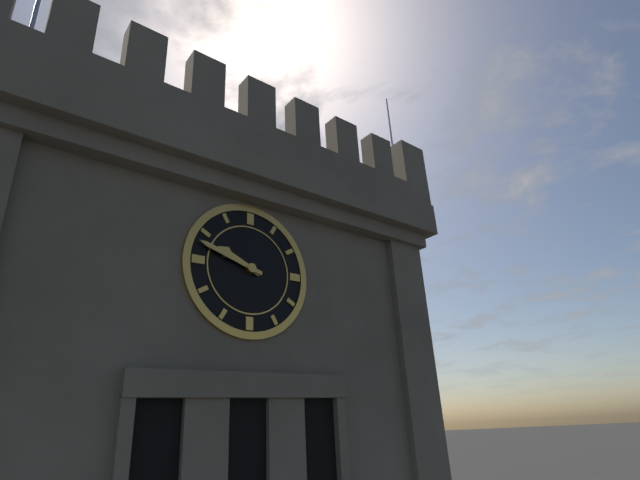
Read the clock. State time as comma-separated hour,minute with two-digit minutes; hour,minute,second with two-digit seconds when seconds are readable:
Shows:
9,48
